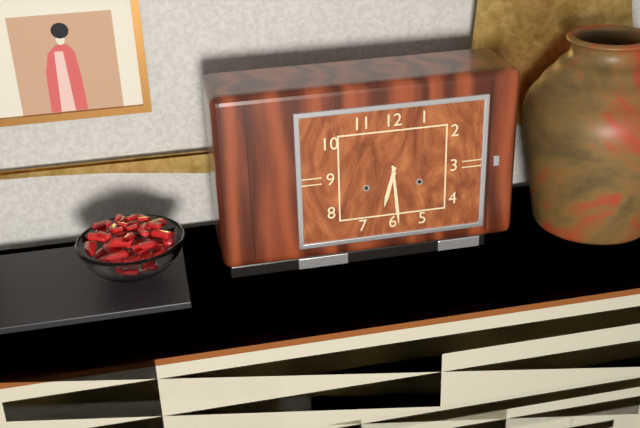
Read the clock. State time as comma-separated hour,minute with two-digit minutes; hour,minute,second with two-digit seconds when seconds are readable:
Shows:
6,29
